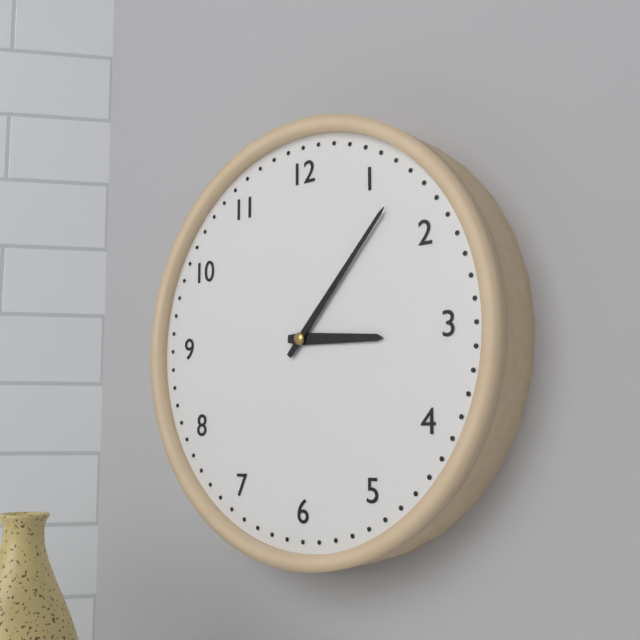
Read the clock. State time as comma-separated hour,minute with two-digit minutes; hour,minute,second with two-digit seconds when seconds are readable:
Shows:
3,07
